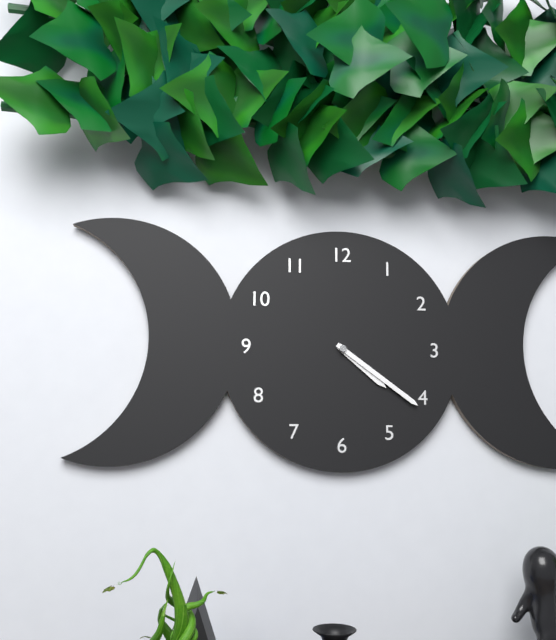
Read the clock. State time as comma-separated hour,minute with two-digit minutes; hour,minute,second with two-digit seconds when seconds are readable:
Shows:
4,21
